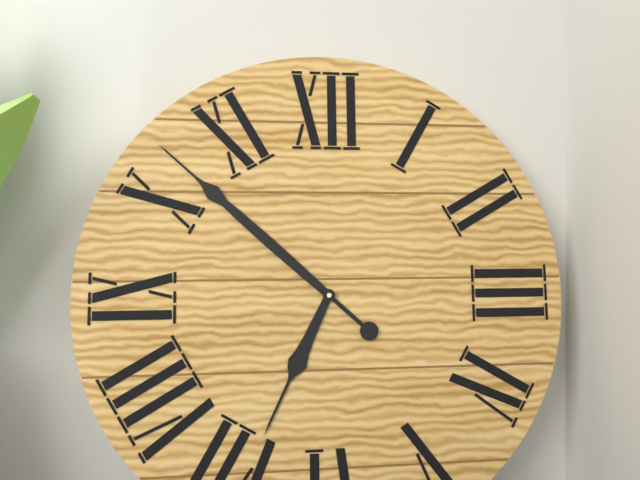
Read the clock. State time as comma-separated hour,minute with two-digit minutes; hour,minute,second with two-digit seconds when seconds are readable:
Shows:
6,52
